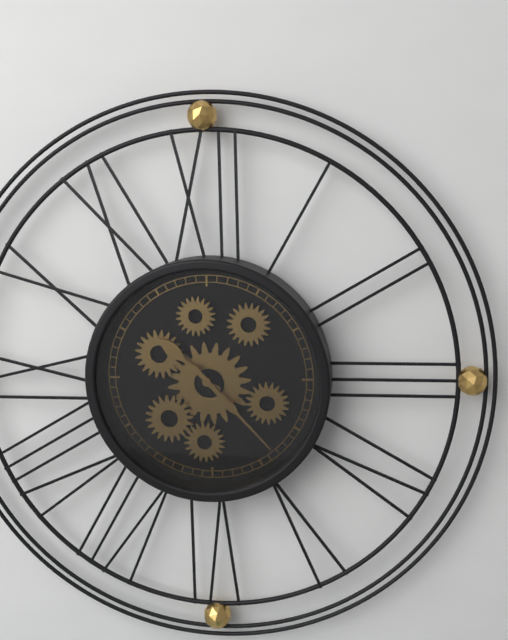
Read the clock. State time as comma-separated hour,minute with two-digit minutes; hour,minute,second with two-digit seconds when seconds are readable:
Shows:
10,23
